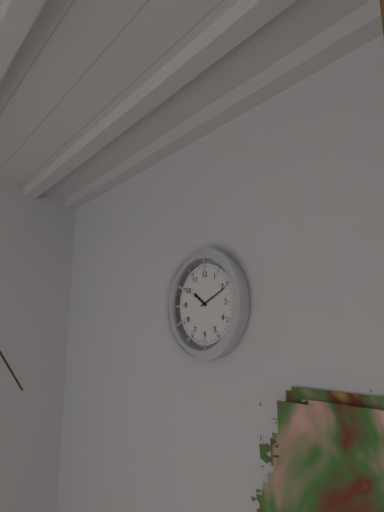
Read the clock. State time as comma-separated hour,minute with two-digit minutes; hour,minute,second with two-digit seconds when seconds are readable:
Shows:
10,11
